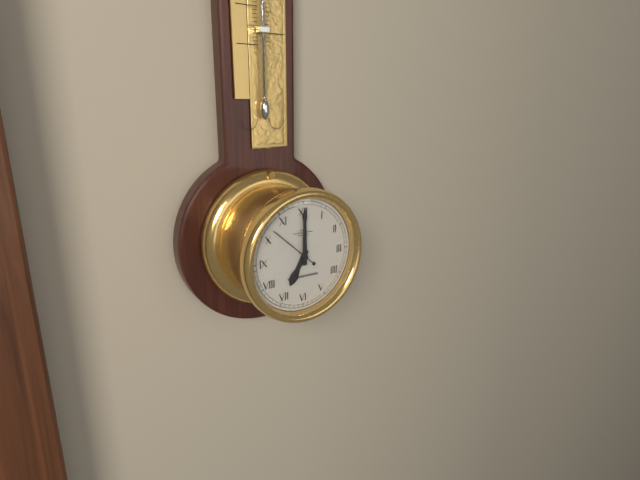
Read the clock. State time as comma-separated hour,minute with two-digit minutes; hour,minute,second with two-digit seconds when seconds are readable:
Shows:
7,00,52
